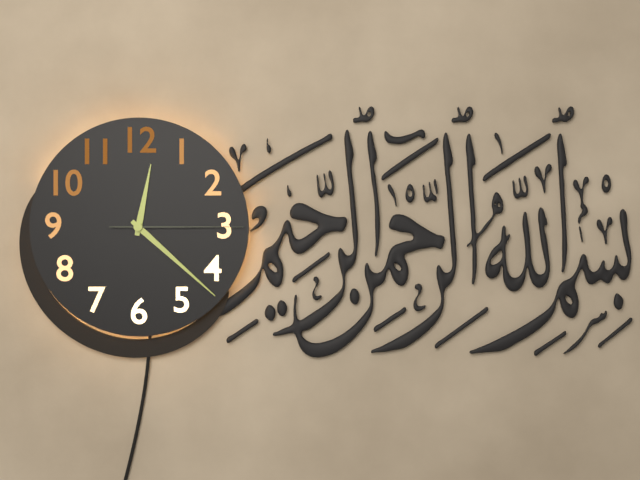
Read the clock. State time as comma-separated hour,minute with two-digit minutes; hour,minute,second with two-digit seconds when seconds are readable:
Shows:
12,22,15
